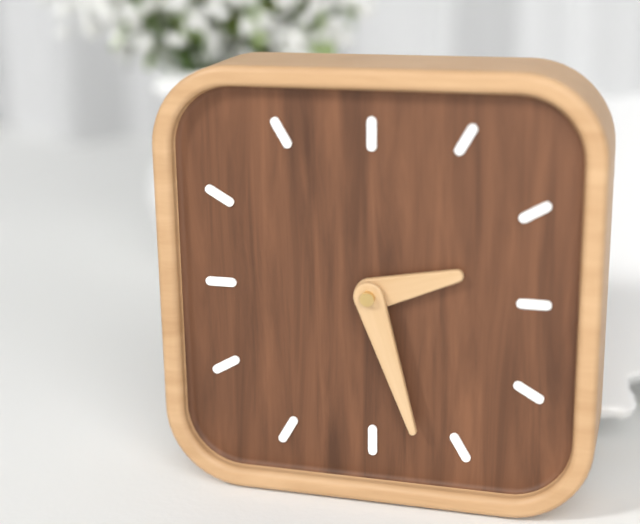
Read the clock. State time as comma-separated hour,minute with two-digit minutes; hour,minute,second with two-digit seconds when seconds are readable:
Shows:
2,27
